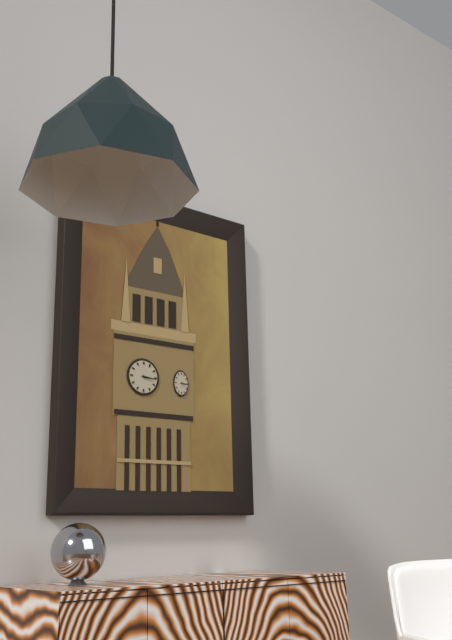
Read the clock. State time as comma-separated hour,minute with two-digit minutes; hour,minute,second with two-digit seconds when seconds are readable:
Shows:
3,16
